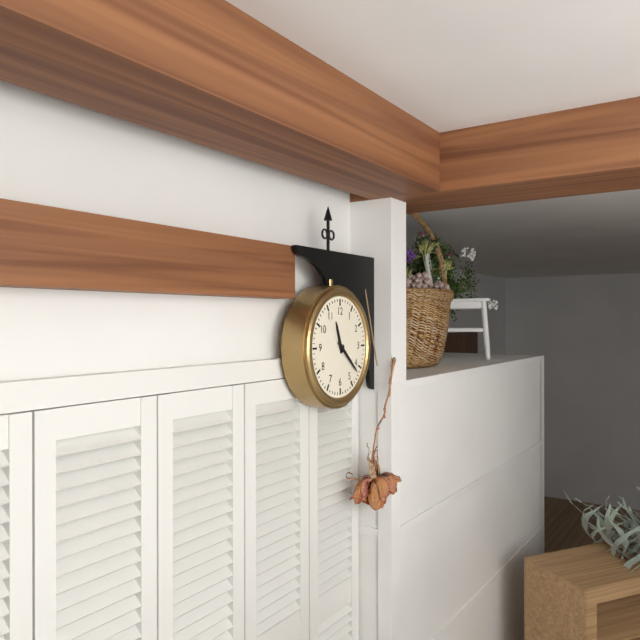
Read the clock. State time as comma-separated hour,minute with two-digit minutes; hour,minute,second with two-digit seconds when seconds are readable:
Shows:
11,22
